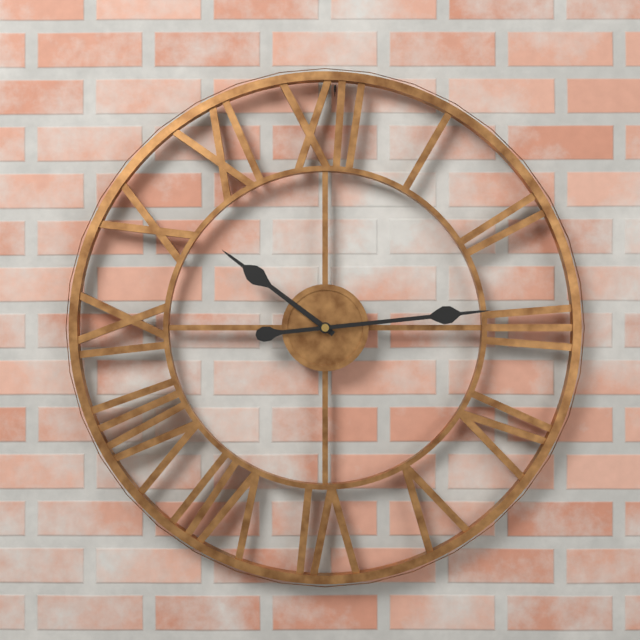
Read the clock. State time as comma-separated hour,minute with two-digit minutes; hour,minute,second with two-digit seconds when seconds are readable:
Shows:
10,14
